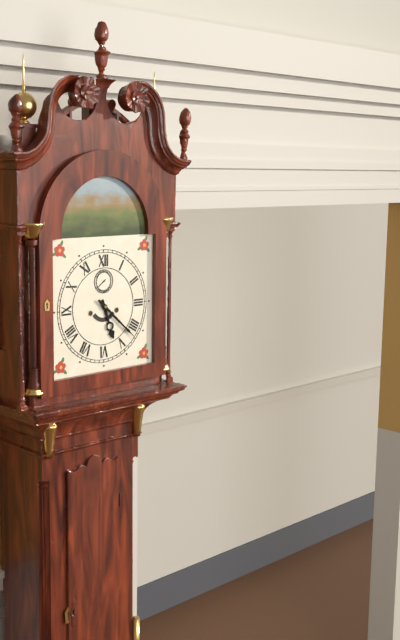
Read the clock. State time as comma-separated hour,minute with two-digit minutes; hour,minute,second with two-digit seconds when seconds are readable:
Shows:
5,22
